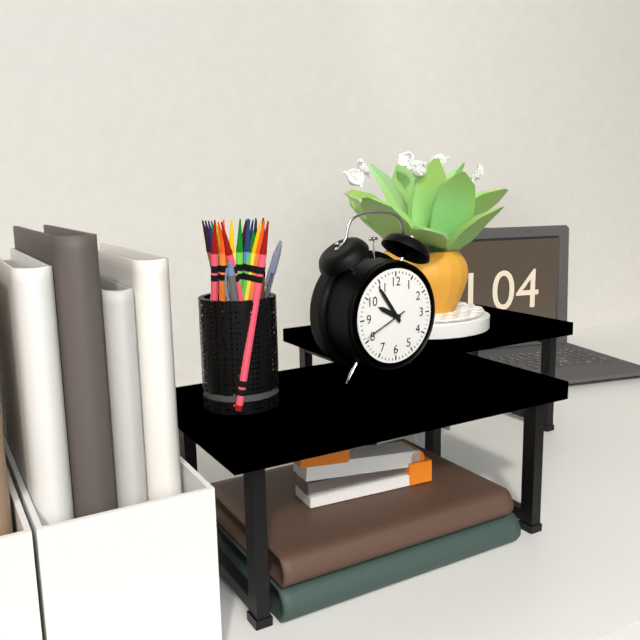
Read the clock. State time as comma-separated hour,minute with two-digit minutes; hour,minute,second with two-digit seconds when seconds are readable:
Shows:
9,54
